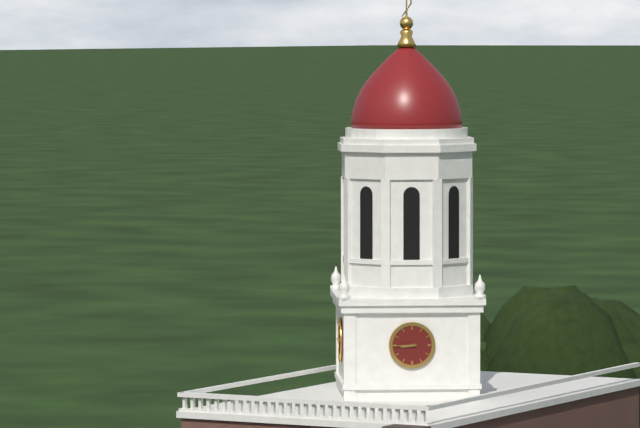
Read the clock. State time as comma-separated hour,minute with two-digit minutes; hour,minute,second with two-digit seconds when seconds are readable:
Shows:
8,45
